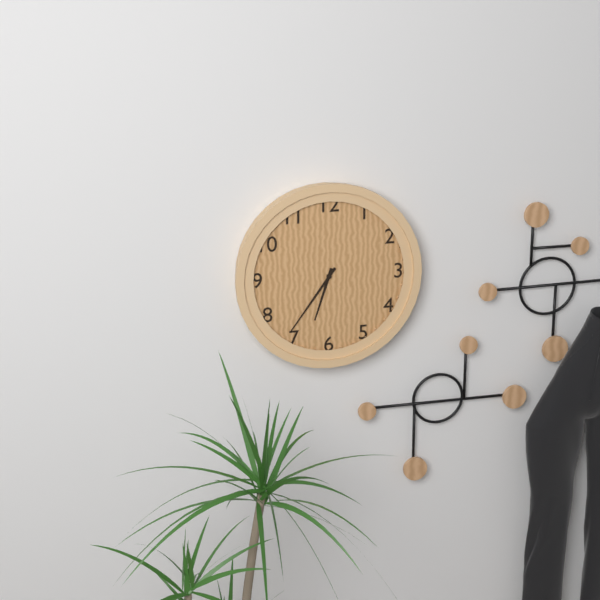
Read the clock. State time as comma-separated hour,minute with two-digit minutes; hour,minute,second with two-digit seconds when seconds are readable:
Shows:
6,36
